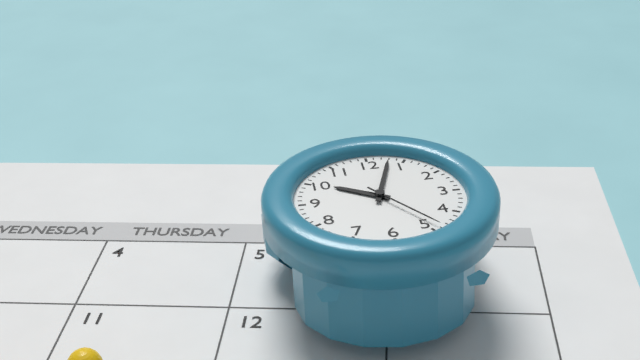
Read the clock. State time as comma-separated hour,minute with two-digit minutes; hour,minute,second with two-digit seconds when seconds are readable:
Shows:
10,03,24
